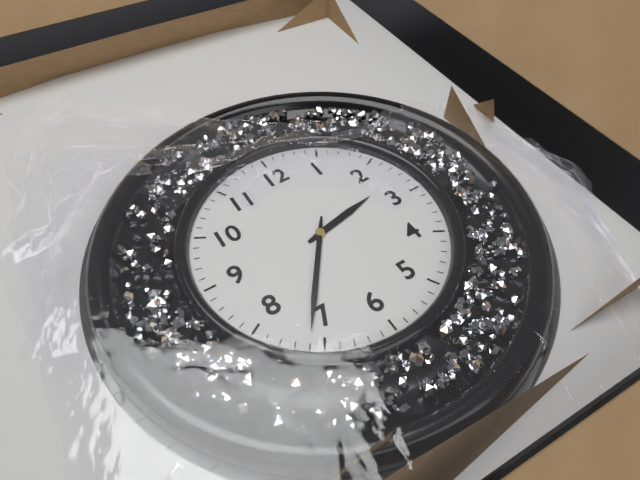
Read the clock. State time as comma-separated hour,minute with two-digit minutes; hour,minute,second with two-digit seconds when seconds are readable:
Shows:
2,36
